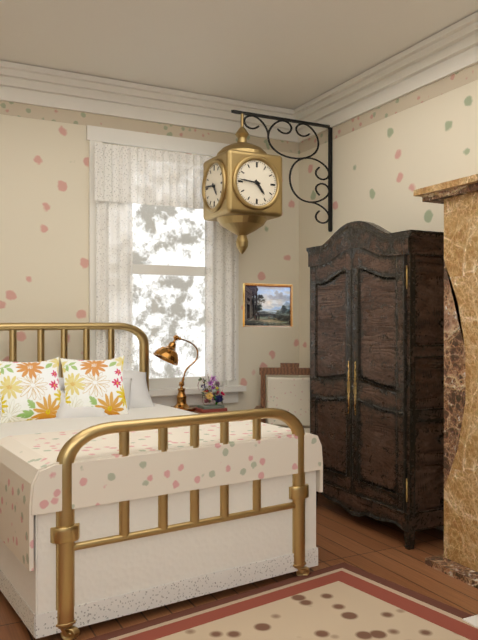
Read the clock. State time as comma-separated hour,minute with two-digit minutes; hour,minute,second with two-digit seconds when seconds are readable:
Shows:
4,46
